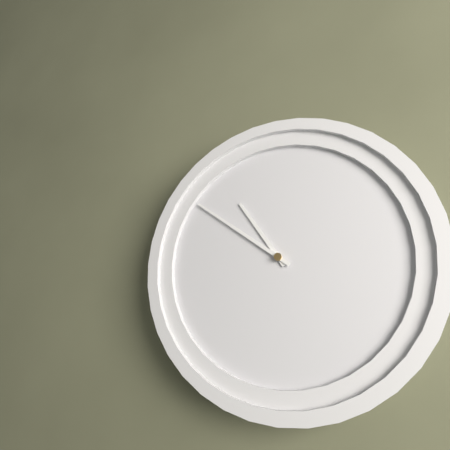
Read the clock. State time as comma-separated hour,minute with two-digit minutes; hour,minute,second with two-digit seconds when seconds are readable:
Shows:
10,51
